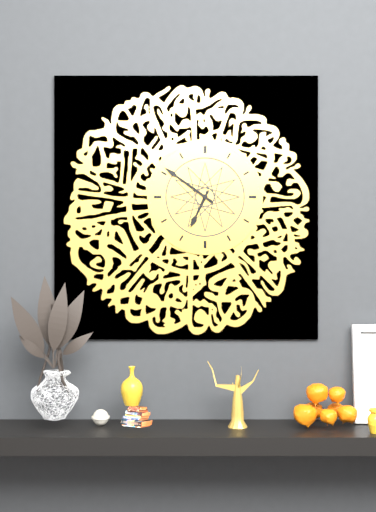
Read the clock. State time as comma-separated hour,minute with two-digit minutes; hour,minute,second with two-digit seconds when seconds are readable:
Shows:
6,51
